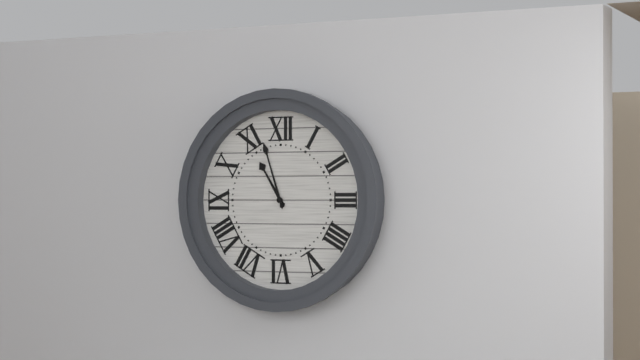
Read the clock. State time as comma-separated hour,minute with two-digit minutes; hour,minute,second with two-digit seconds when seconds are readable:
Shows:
10,57
